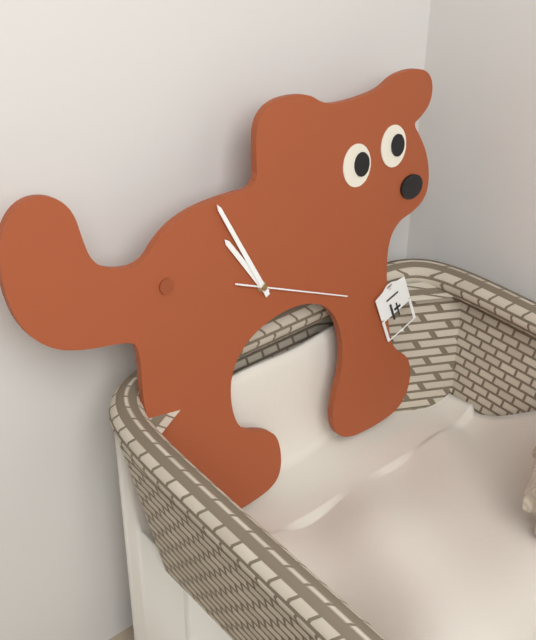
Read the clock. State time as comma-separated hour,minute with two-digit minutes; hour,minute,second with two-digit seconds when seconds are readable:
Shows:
10,56,19
